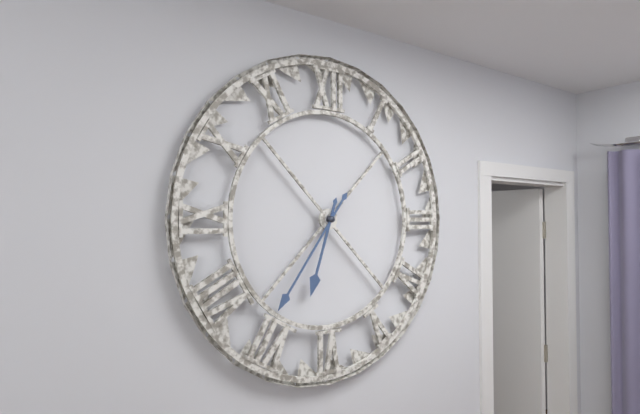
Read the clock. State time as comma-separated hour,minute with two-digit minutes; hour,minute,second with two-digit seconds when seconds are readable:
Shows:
6,36
